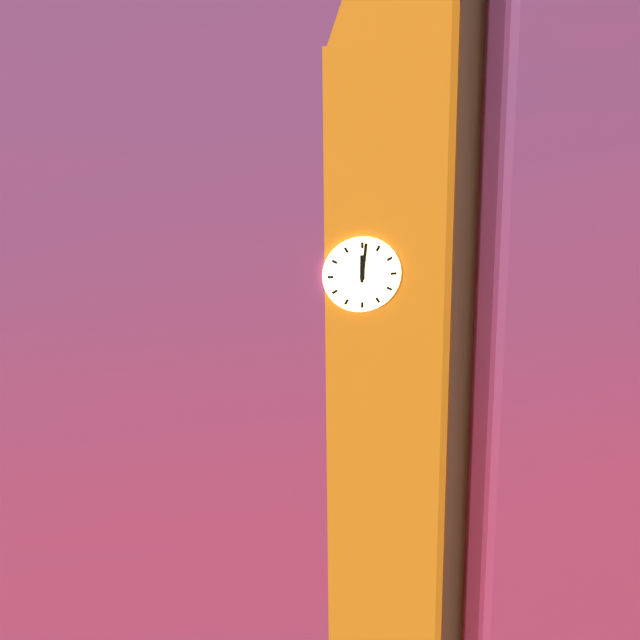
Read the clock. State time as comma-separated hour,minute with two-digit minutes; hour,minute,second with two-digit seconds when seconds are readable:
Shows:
12,01
